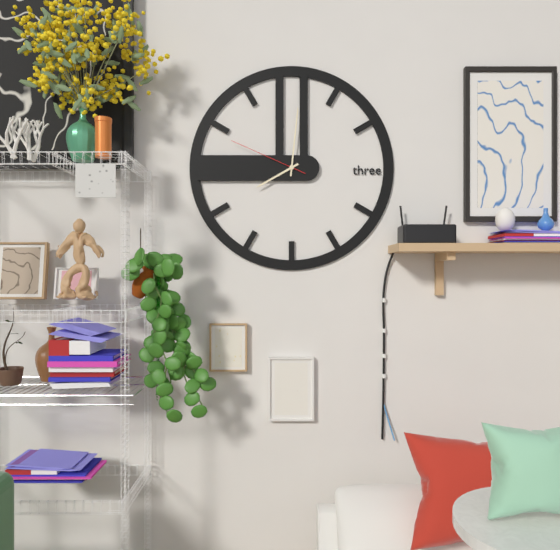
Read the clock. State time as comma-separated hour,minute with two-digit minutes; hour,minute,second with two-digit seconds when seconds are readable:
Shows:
8,01,49
